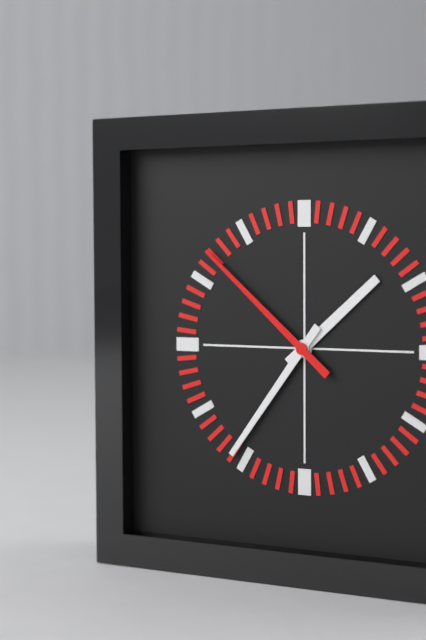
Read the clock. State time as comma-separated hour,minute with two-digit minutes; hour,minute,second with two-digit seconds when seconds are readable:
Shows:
1,36,52
